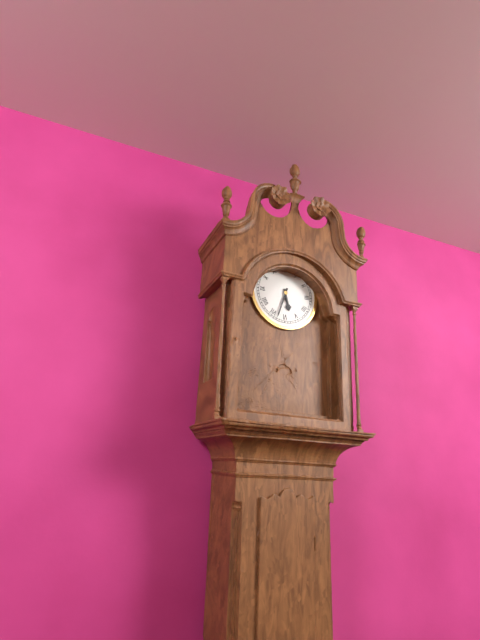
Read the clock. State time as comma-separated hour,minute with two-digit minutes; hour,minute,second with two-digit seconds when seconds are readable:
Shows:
5,33
